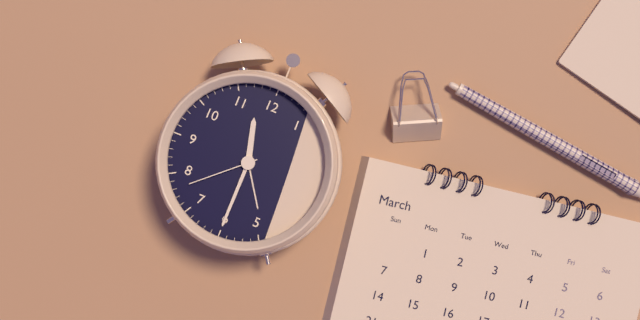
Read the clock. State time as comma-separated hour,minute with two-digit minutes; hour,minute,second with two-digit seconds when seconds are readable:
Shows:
11,30,38
